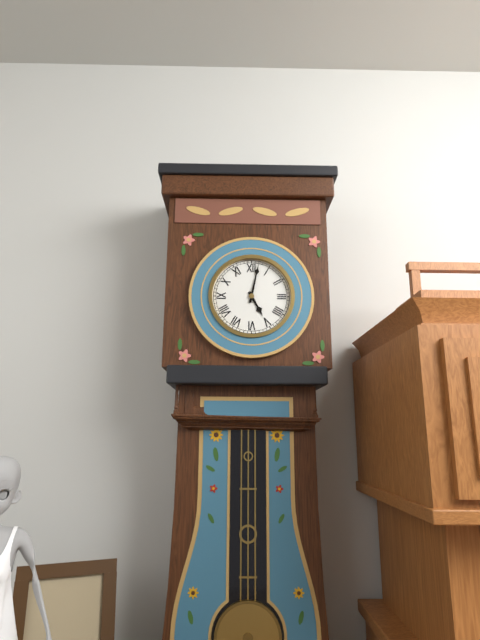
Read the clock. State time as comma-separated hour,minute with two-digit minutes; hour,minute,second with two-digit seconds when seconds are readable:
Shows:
5,02
